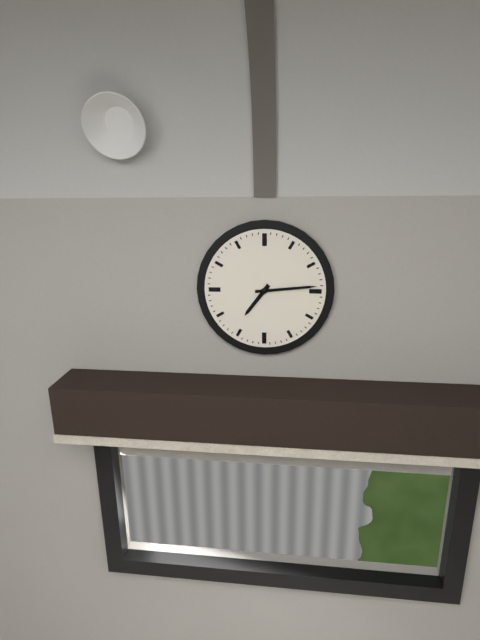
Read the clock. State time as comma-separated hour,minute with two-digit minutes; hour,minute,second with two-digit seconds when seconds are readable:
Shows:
7,14
